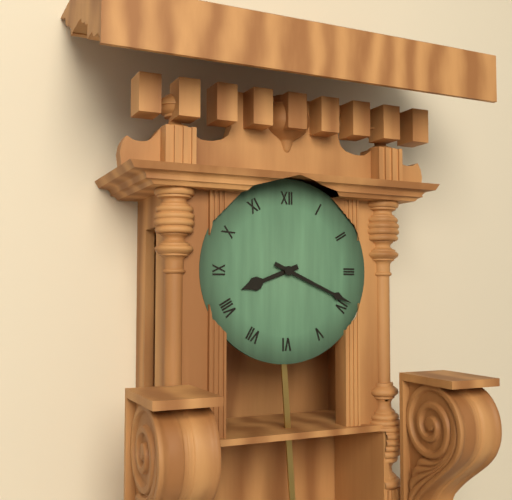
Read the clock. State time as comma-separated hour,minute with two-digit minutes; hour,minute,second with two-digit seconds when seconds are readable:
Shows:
8,19
